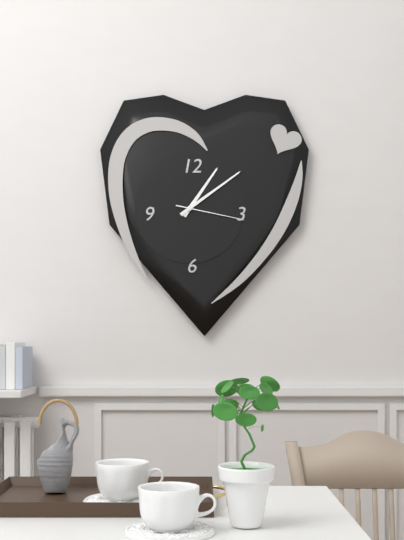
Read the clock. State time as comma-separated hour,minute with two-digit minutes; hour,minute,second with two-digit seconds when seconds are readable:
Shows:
1,09,17
